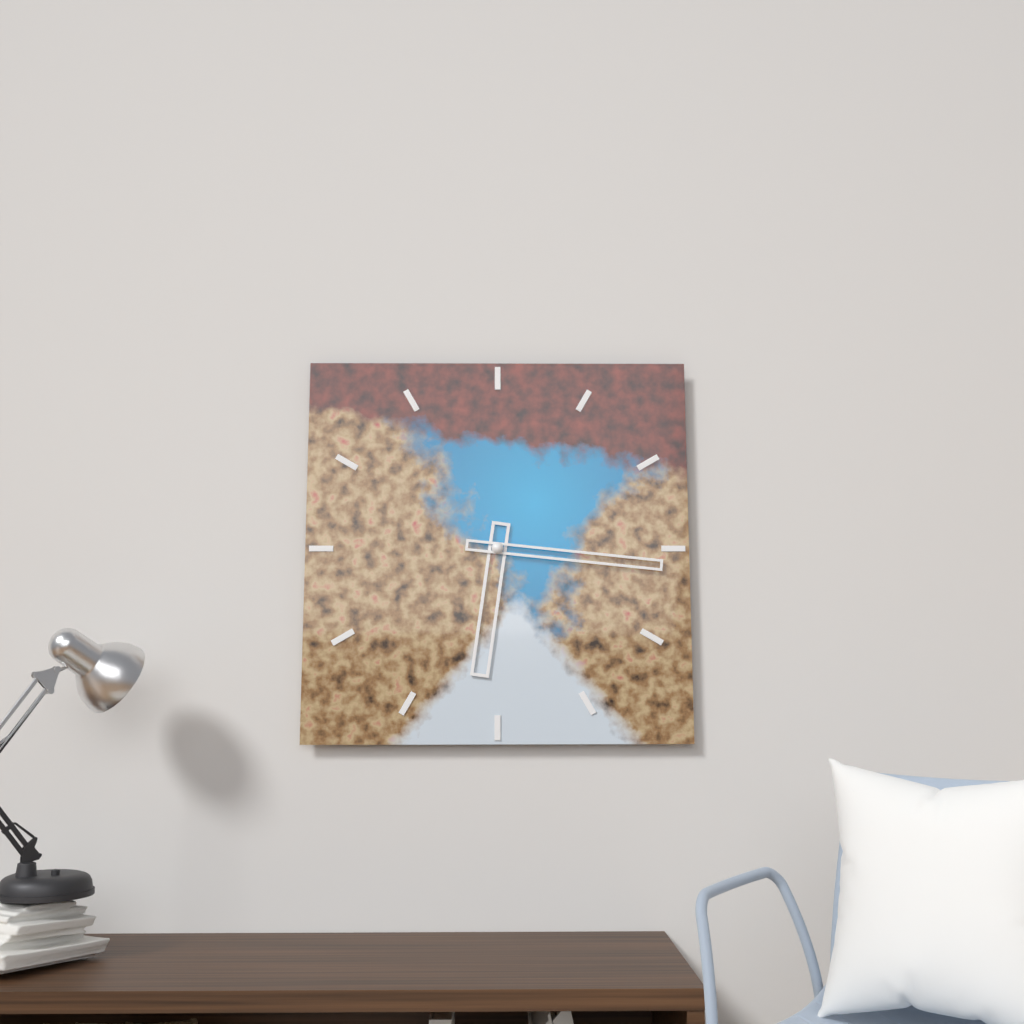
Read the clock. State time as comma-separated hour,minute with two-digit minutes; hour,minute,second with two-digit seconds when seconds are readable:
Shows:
6,16
